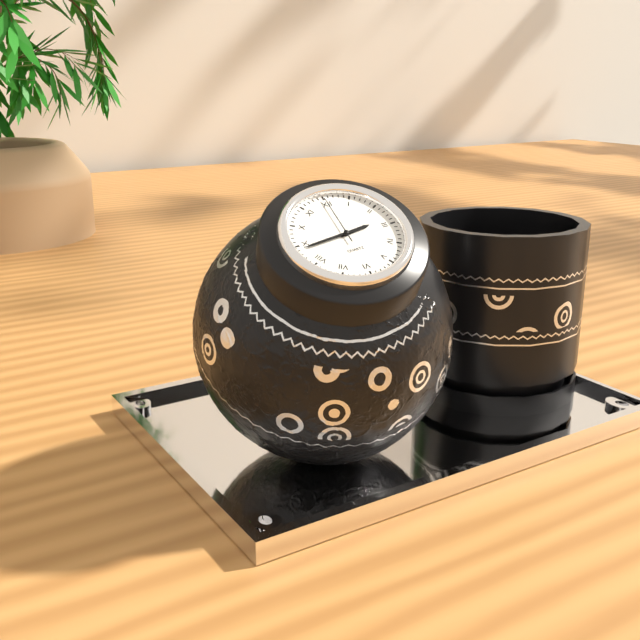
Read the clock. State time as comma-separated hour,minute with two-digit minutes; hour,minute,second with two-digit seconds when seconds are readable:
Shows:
2,44,00
